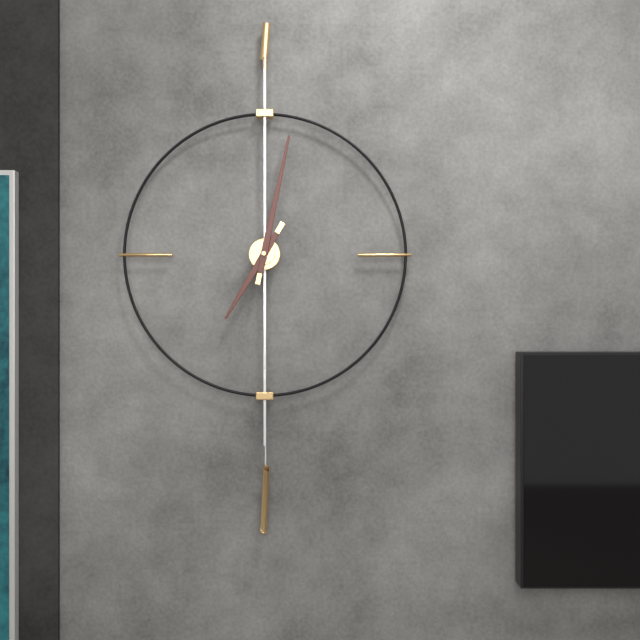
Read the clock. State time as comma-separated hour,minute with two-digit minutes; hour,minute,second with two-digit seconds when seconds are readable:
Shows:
7,02
